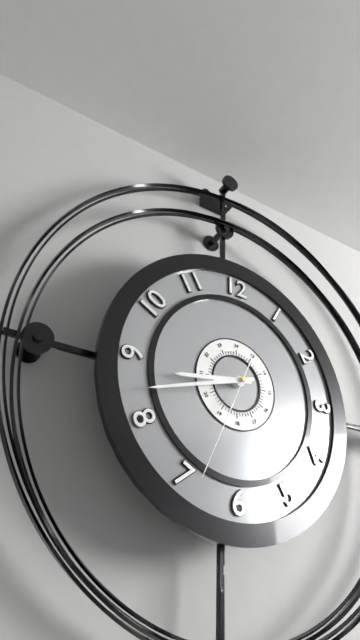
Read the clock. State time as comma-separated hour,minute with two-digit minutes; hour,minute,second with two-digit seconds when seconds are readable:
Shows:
8,42,34
